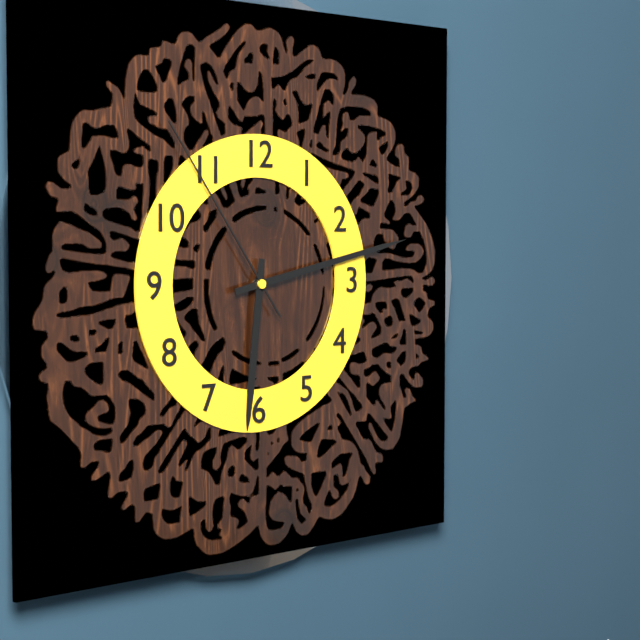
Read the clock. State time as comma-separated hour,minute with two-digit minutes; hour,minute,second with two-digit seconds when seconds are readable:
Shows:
6,13,54
